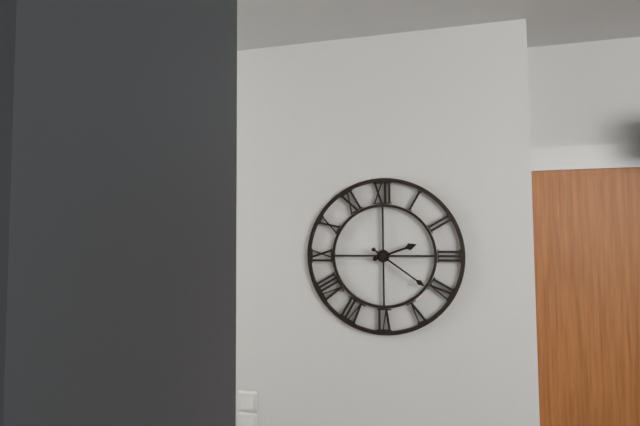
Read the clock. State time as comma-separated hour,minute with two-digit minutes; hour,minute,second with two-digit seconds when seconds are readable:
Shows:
2,21
